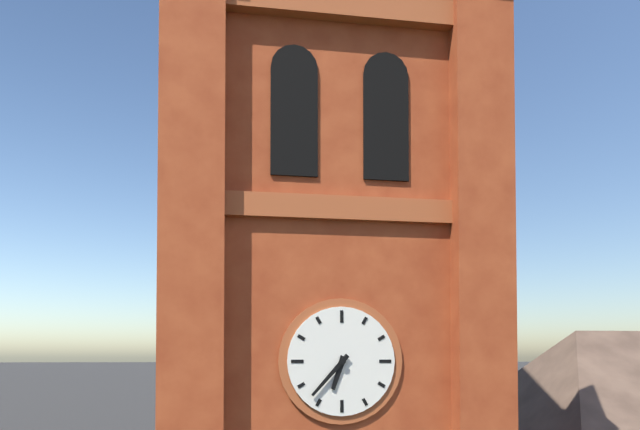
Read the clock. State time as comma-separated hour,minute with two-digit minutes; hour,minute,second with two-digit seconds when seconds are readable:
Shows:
6,37
